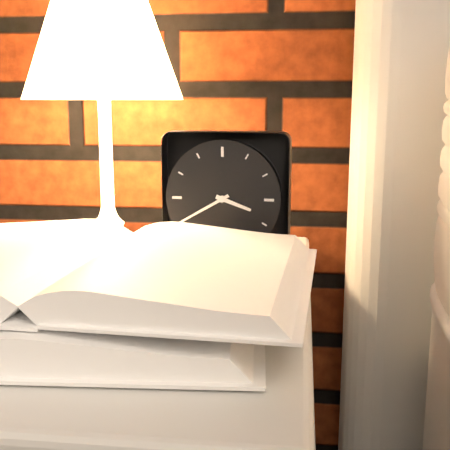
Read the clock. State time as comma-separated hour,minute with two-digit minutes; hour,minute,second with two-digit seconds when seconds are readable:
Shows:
3,40
